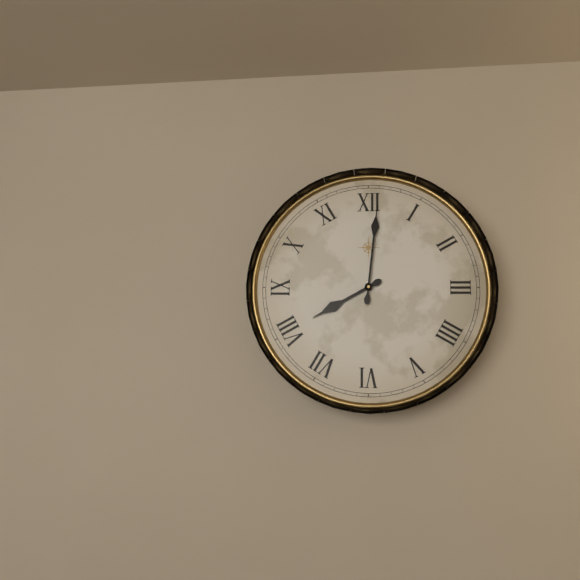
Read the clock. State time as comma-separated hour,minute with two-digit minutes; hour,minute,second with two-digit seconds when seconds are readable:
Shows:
8,01
